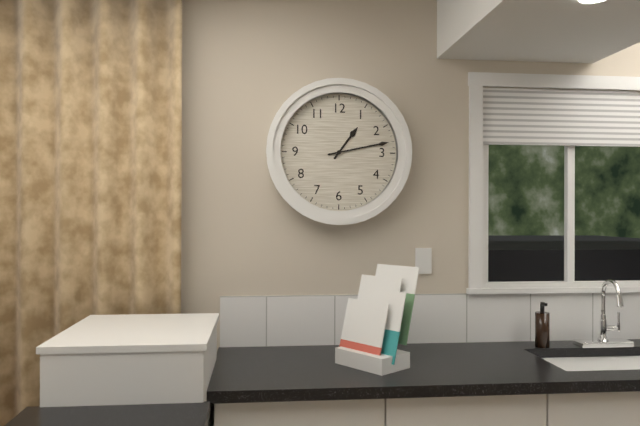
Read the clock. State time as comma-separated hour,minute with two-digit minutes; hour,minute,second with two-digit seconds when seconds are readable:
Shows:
1,13
